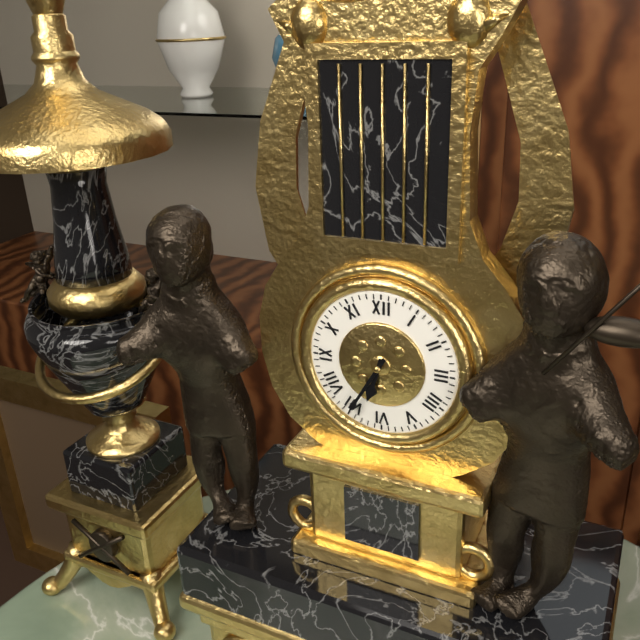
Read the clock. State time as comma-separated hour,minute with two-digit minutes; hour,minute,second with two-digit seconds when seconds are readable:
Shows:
6,35
